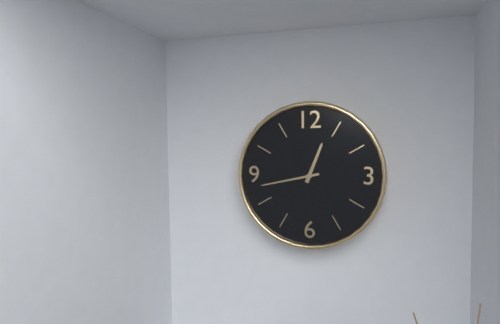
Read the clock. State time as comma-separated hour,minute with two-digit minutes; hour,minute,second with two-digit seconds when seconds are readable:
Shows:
12,43
